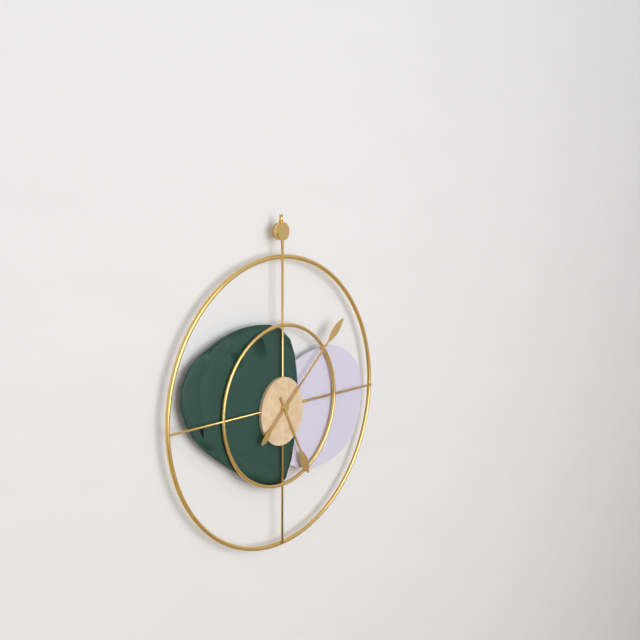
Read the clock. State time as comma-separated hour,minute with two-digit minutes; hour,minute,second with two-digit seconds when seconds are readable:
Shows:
5,08
